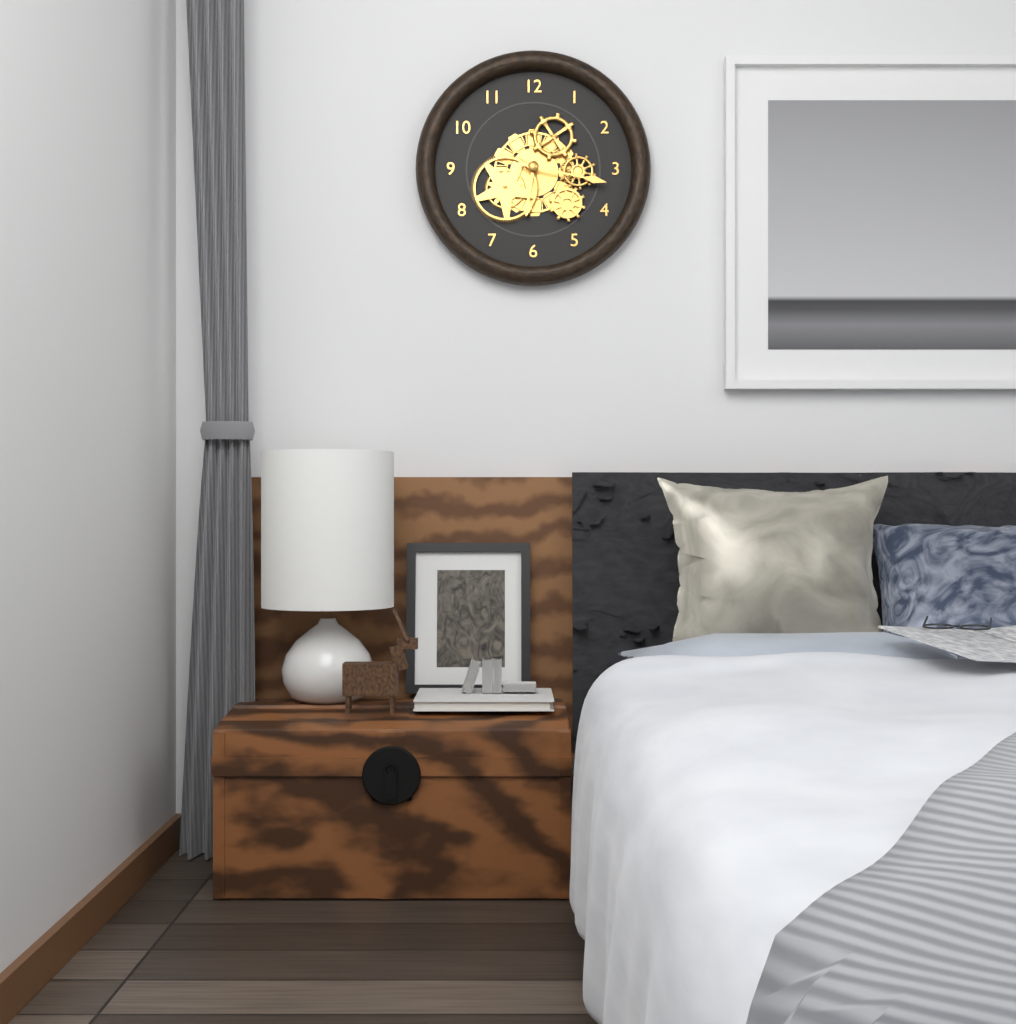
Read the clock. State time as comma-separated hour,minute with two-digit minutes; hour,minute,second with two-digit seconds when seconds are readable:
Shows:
6,17
